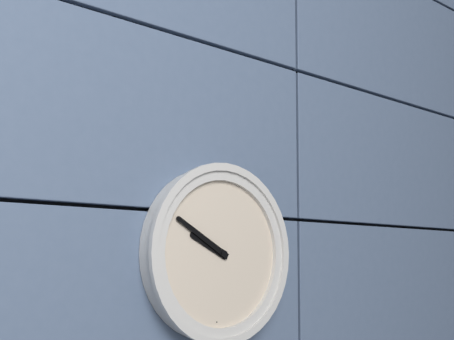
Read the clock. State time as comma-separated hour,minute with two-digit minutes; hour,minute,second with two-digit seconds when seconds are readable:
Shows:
9,50
